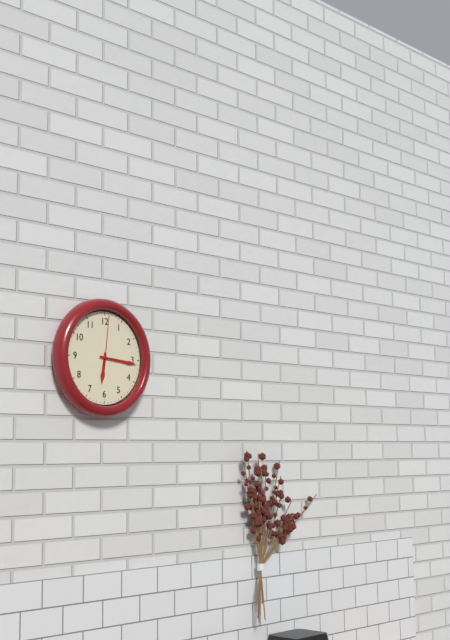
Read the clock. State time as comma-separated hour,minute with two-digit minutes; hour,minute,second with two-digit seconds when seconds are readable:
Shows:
6,16,01
